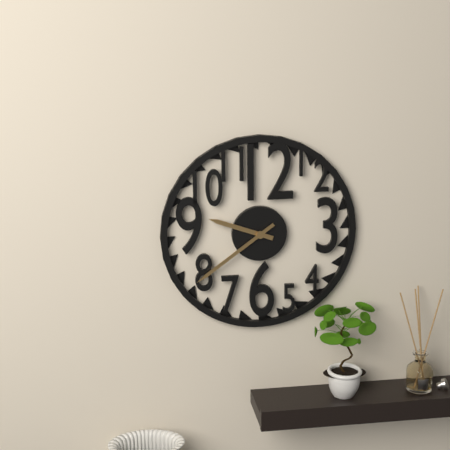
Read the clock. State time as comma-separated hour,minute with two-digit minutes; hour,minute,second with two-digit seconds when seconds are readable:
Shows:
9,39
